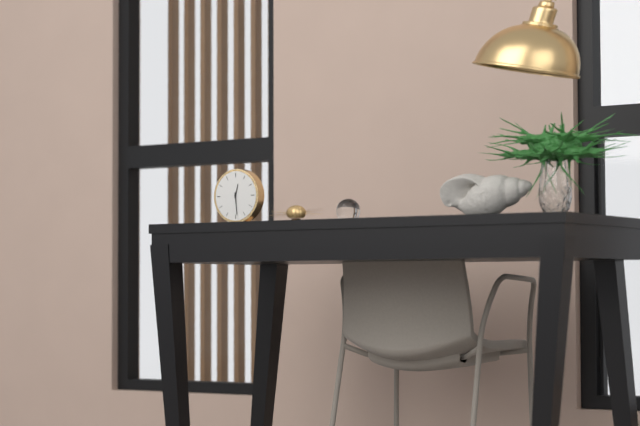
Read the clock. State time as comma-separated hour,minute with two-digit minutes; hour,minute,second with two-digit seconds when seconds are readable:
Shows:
12,29
